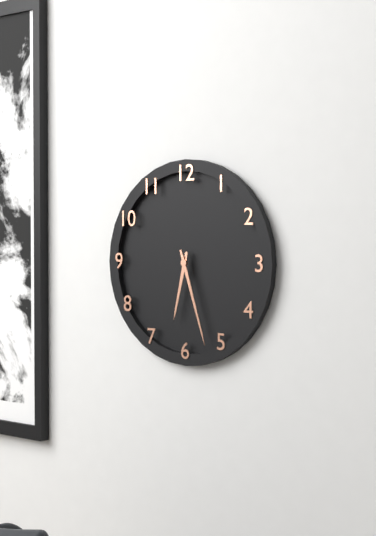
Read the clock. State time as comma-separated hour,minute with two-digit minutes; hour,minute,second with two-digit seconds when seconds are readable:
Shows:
6,27
